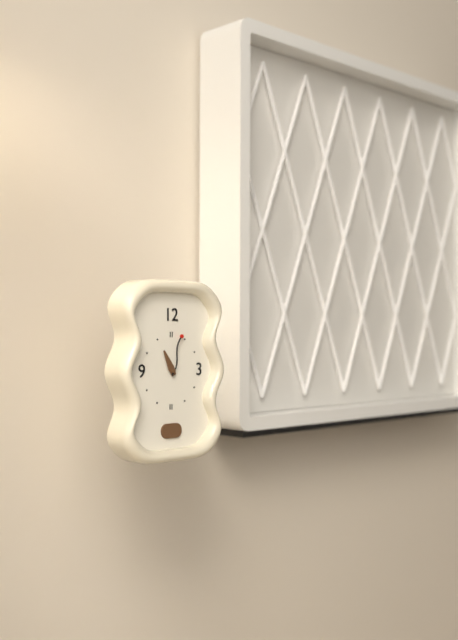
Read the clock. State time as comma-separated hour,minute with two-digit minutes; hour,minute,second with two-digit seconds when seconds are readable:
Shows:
11,03
